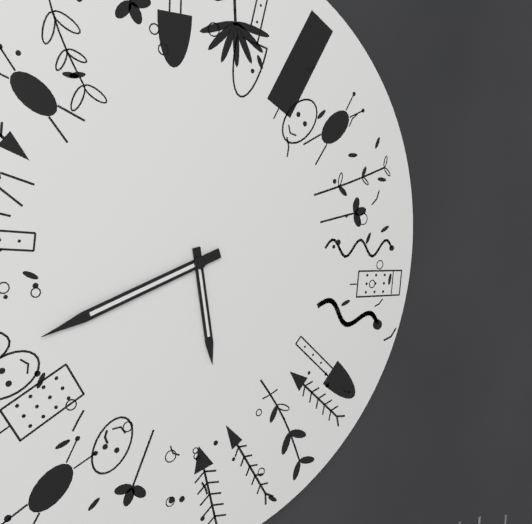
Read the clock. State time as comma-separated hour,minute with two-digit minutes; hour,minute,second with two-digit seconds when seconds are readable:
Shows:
5,42
